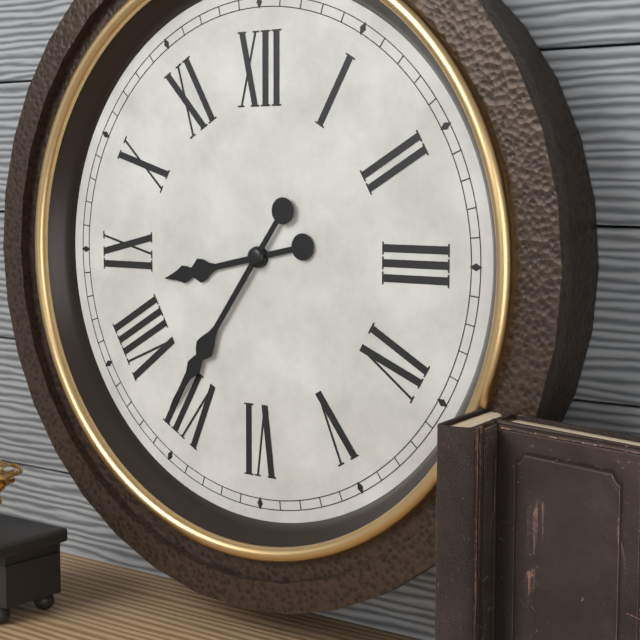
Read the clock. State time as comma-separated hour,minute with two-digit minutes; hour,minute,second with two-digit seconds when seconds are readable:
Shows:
8,36
